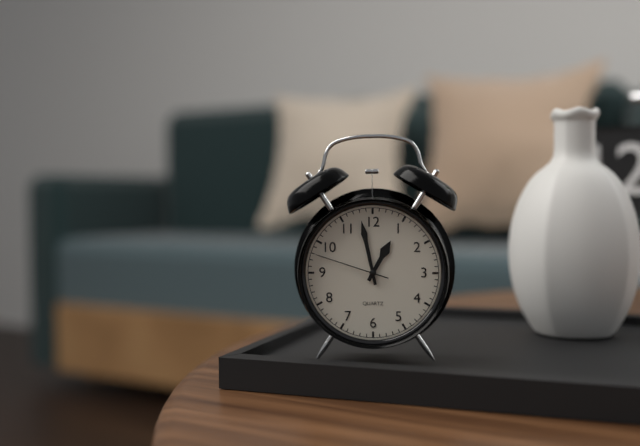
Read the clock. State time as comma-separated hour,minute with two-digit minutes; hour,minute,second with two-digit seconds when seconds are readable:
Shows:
12,58,48
